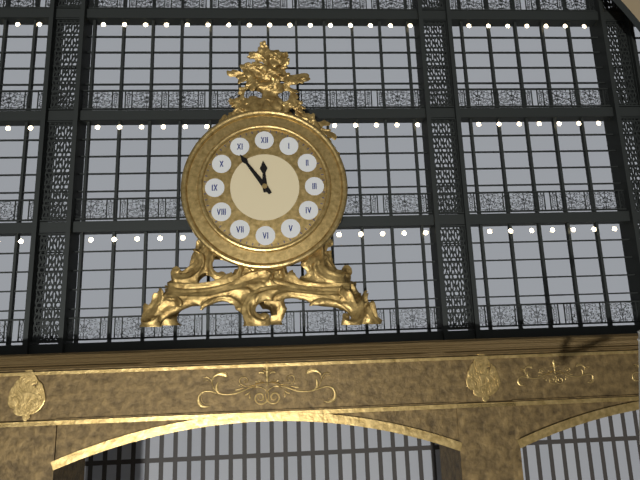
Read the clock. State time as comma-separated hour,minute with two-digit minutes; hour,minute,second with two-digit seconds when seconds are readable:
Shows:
11,54
